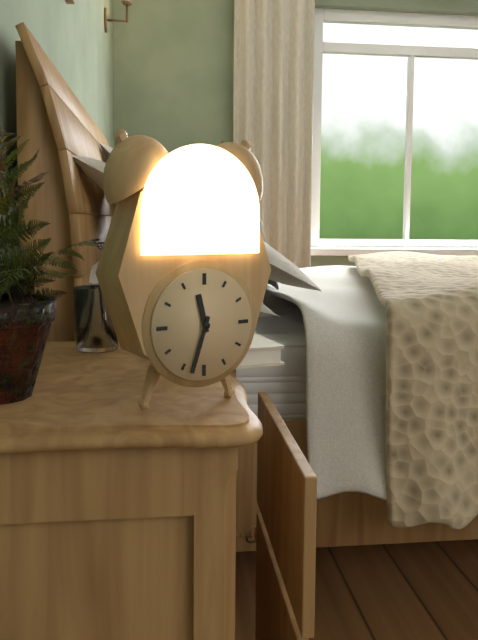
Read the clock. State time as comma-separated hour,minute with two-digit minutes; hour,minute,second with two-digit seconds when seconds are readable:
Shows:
11,33
